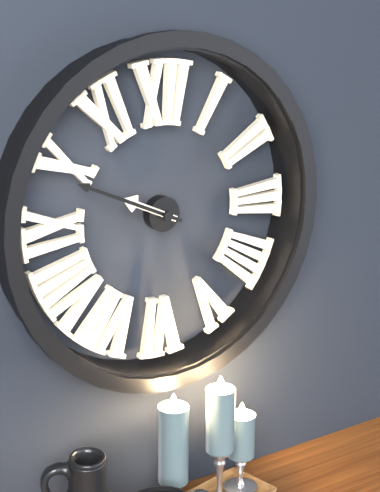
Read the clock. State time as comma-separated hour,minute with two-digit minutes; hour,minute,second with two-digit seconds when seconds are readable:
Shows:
9,49
